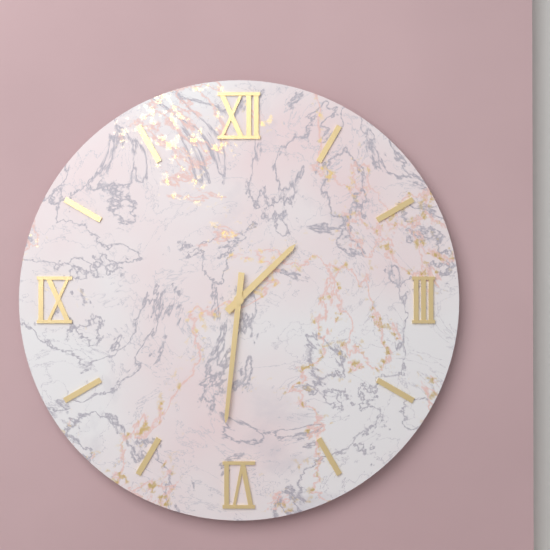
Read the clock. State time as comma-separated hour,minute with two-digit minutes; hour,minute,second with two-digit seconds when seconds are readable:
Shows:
1,31
